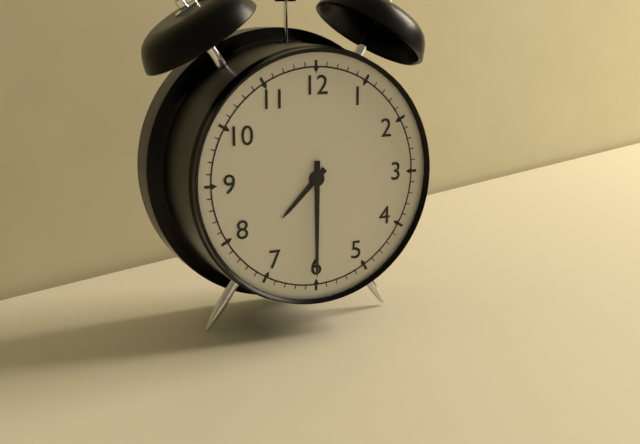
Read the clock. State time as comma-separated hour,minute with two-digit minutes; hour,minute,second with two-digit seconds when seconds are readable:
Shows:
7,30
